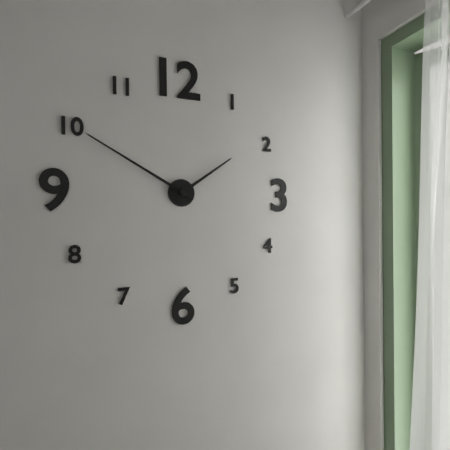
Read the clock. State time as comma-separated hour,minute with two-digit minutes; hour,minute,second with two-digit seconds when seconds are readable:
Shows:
1,50
